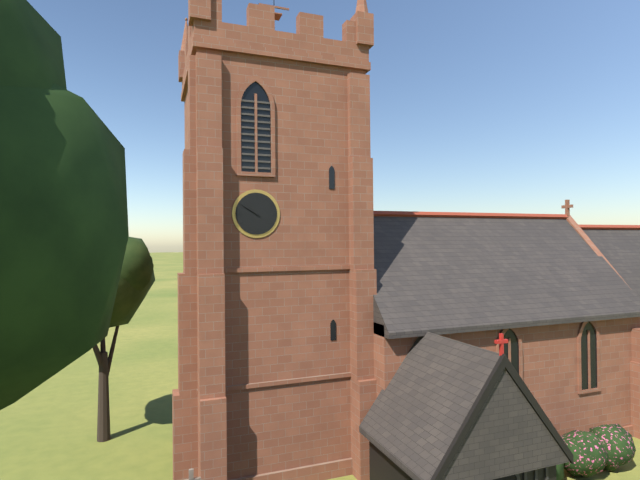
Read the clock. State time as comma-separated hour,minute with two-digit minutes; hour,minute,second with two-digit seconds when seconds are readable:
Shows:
10,50
